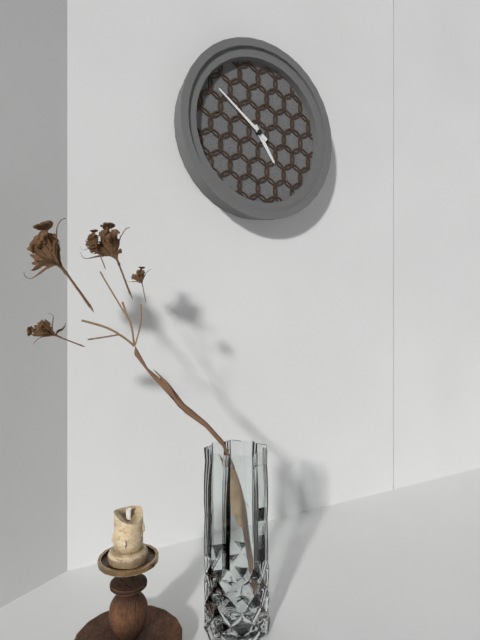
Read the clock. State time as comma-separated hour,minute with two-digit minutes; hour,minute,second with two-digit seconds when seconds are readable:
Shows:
4,51
